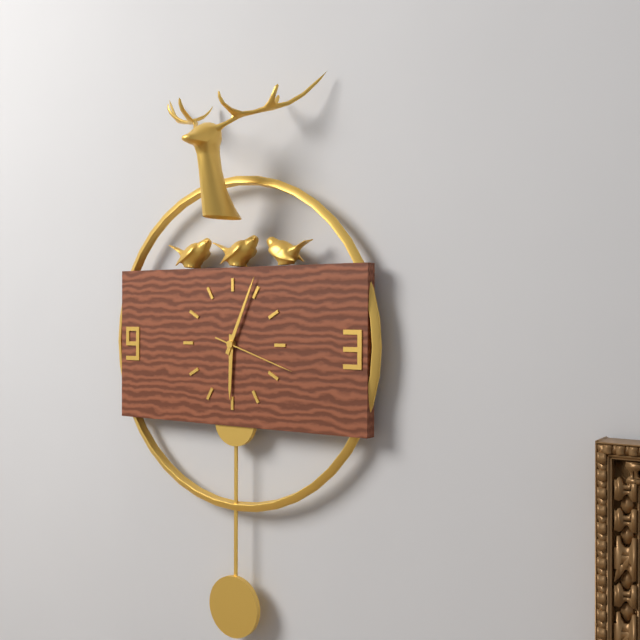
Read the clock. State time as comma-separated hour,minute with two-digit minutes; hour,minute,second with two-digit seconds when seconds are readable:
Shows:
6,04,18
